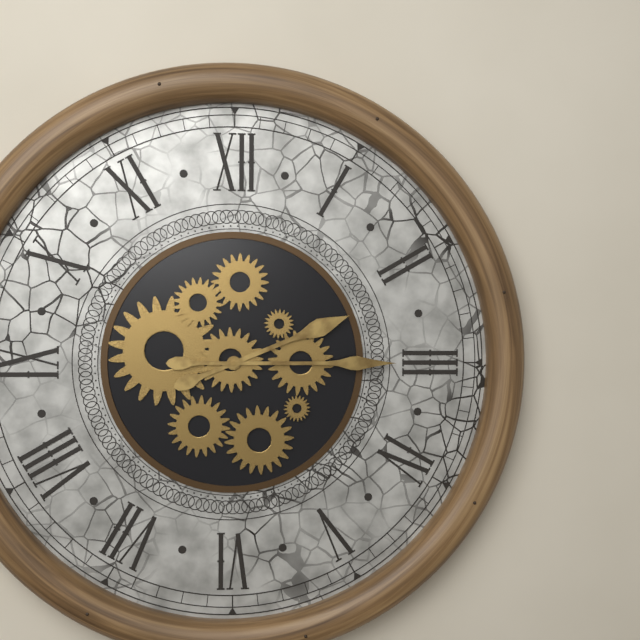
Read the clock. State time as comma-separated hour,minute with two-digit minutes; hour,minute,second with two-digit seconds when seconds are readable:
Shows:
2,15
